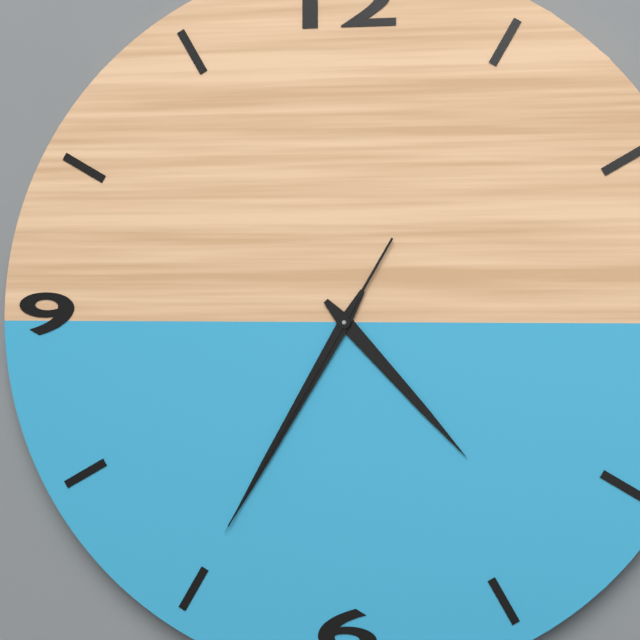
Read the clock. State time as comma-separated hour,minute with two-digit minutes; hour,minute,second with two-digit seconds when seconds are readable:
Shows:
4,35,35
